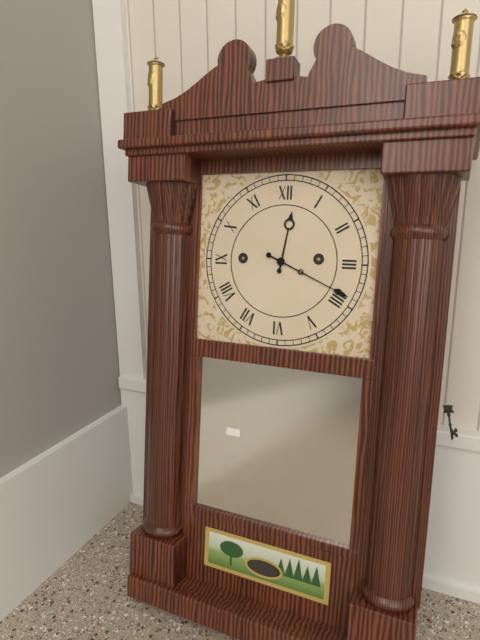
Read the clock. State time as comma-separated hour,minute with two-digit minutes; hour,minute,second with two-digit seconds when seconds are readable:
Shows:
12,19
